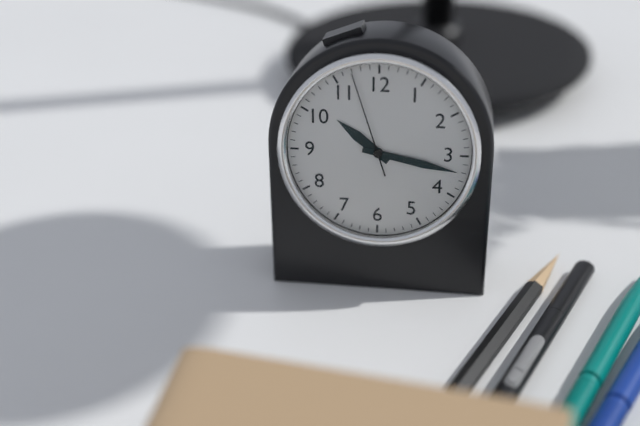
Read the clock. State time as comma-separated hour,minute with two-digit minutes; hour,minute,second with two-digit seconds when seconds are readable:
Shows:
10,17,57
